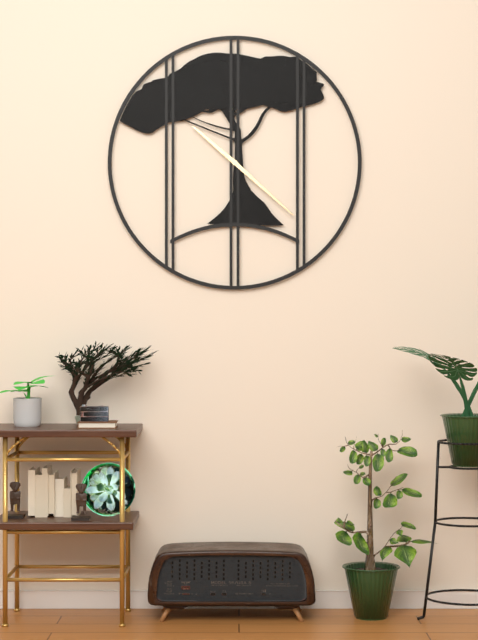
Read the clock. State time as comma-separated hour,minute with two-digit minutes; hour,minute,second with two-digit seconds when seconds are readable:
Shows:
10,22
